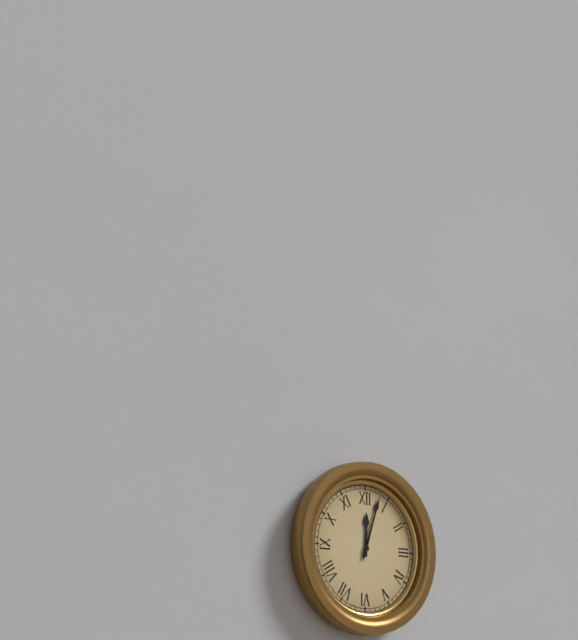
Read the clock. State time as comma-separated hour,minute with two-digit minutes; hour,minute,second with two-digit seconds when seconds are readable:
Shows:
12,03,03
